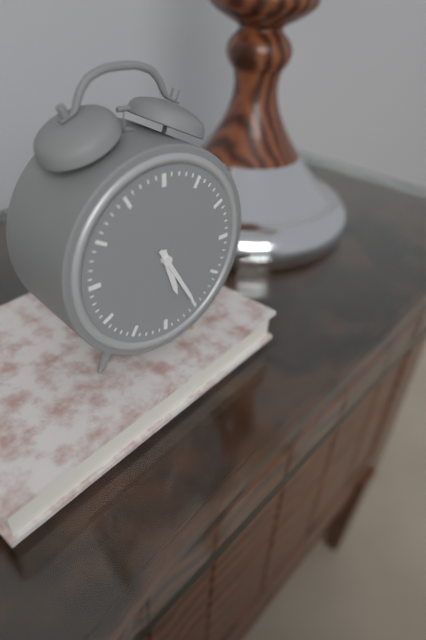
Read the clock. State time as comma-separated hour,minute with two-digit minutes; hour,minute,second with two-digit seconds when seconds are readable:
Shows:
5,25
